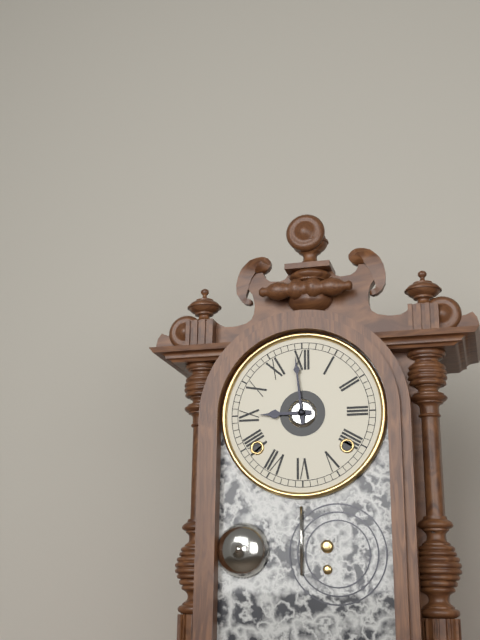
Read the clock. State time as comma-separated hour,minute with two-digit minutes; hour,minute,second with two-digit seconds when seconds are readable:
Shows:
8,59
